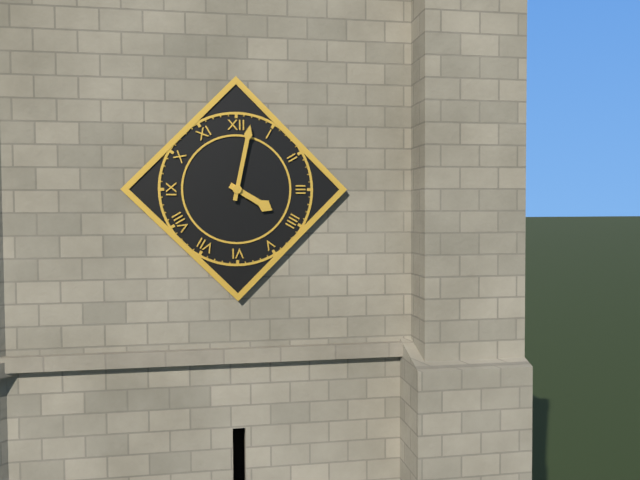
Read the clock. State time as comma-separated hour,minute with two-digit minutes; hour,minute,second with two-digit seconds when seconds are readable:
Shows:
4,02
